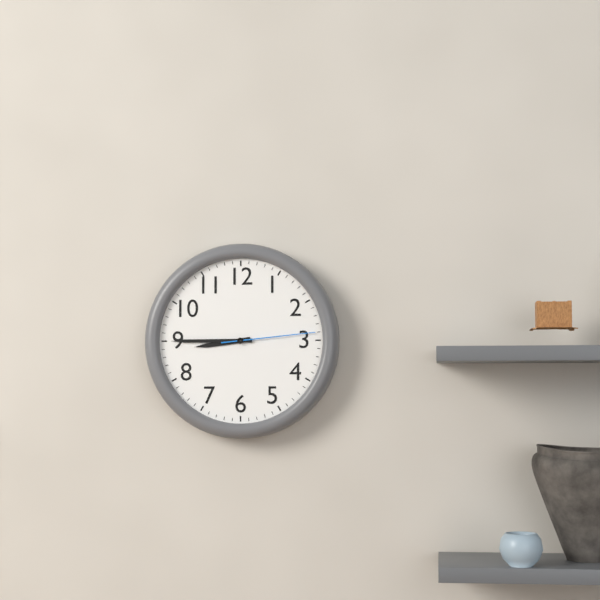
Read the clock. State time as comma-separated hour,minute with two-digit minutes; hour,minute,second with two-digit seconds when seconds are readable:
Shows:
8,45,14
